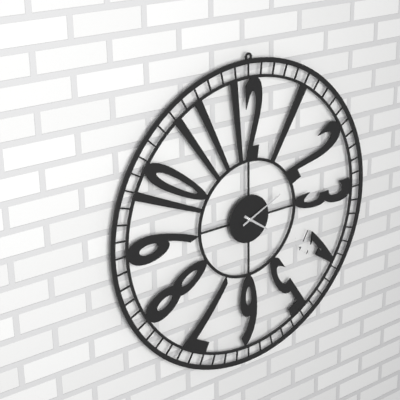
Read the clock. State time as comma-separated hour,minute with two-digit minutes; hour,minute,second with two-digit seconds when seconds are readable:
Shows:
4,11
